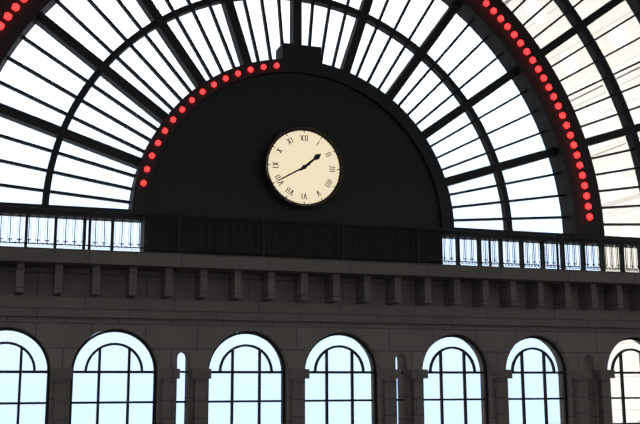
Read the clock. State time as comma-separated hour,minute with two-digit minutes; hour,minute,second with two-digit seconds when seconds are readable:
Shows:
1,40
